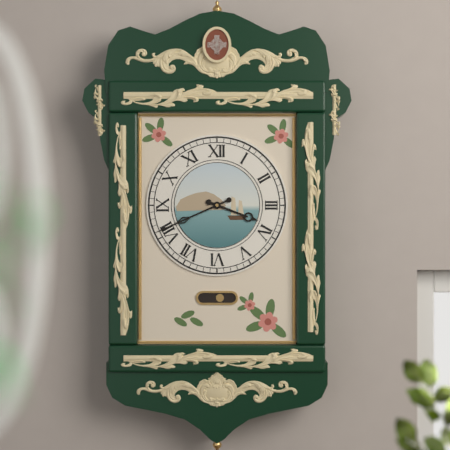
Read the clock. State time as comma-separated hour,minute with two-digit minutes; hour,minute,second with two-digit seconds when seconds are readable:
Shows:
3,41
